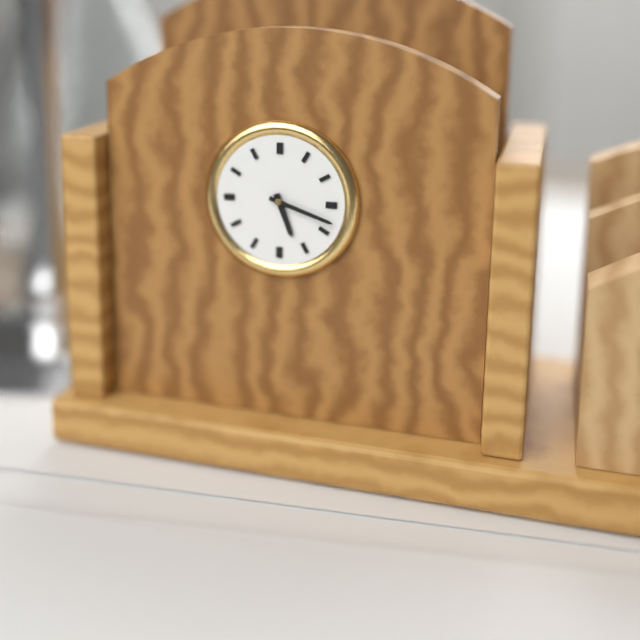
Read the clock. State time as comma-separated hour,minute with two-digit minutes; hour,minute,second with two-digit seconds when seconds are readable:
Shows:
5,18
